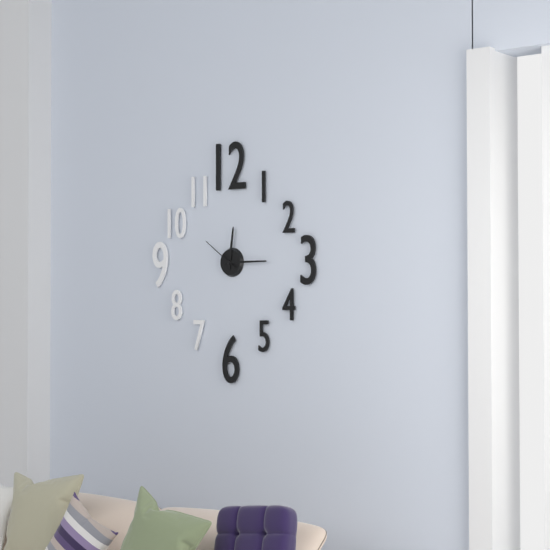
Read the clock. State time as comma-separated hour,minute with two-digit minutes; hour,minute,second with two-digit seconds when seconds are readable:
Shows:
12,15
